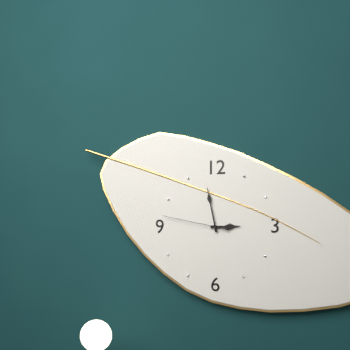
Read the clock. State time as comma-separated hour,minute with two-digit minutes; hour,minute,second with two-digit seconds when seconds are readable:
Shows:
2,58,47
